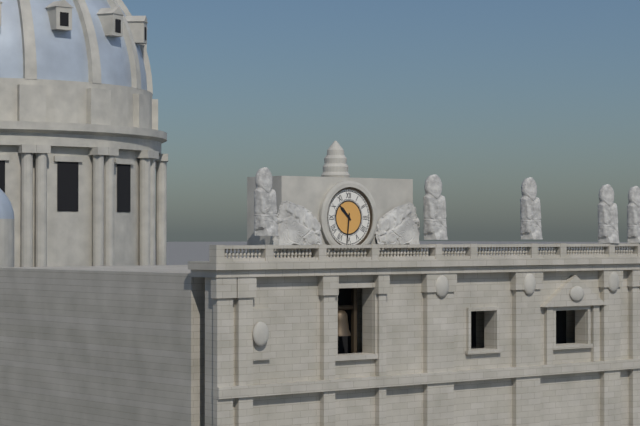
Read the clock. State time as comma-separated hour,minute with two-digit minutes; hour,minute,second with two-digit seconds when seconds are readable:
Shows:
10,31
